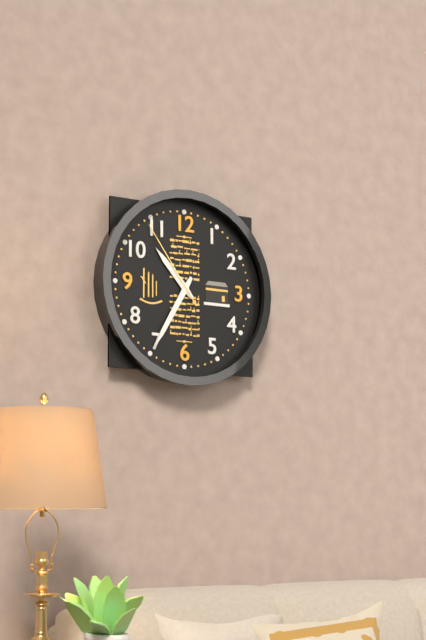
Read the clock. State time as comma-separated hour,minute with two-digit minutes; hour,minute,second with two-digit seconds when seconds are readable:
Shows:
10,35,54
